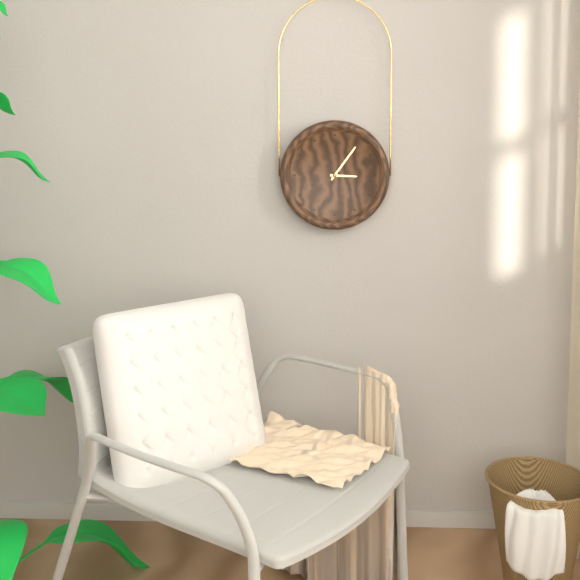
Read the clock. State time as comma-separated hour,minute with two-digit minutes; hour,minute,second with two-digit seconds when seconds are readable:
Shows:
3,06
